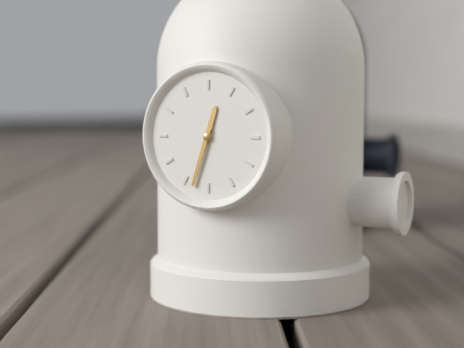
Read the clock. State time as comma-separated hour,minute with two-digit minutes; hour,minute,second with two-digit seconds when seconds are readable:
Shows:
12,33
